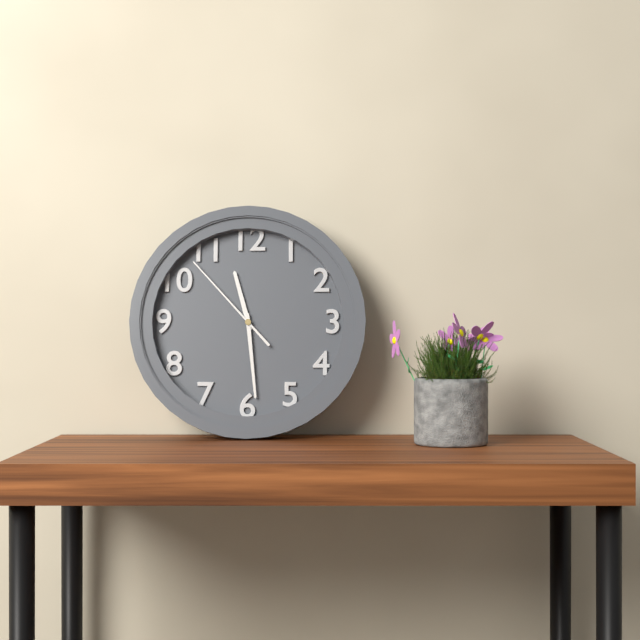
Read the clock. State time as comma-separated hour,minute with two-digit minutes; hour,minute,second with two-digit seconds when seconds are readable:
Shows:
11,29,53
